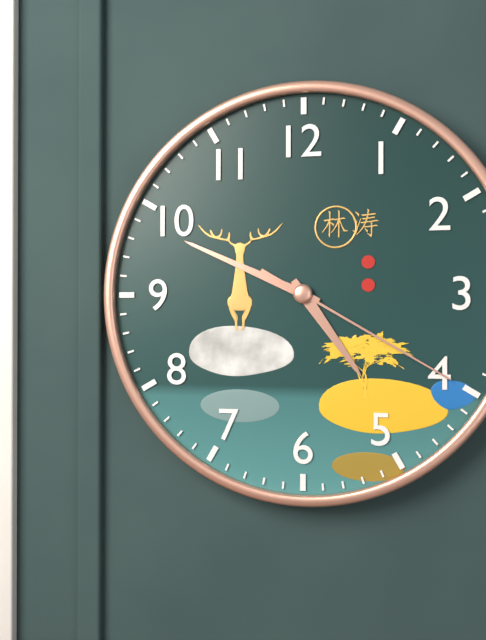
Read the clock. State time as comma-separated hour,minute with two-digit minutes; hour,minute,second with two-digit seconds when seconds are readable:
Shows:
4,49,20
